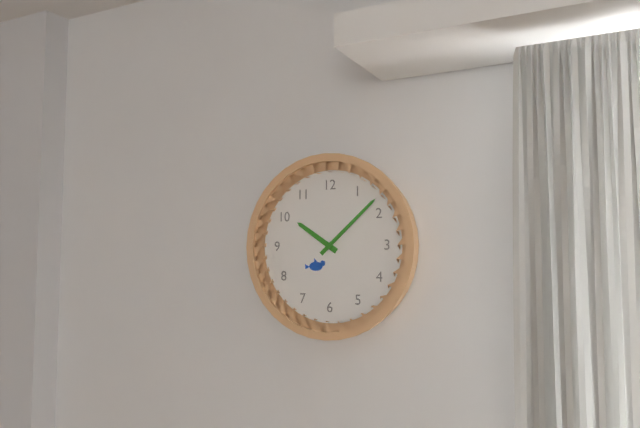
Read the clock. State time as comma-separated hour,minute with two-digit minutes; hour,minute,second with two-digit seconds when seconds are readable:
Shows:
10,08
